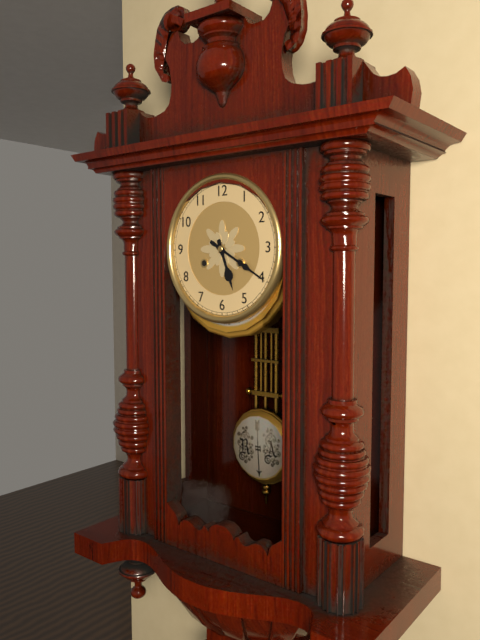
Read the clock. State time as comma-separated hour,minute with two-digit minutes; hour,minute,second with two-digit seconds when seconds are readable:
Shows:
5,20
